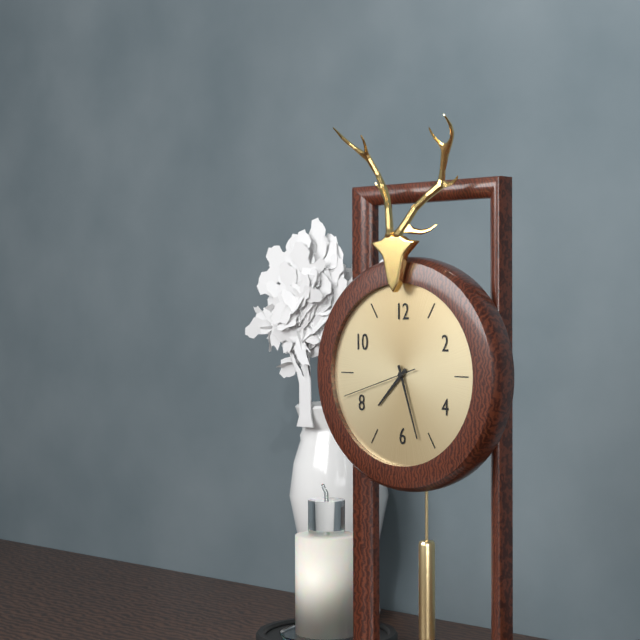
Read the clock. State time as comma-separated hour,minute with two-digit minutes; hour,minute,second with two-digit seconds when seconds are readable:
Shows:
7,27,42
